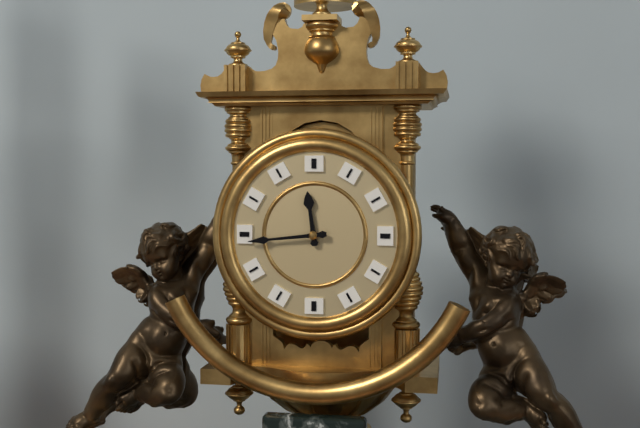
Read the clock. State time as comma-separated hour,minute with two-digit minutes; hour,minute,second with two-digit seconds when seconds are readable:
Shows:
11,44
